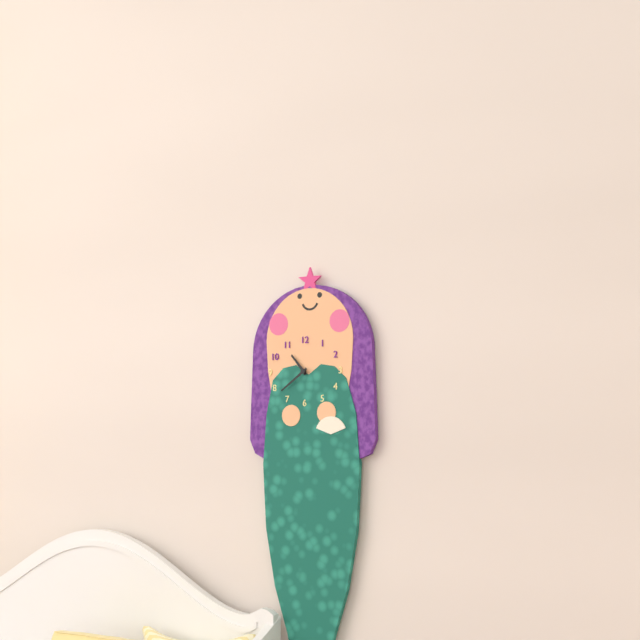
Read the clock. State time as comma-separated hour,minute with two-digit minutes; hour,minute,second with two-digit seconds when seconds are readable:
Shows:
10,39
